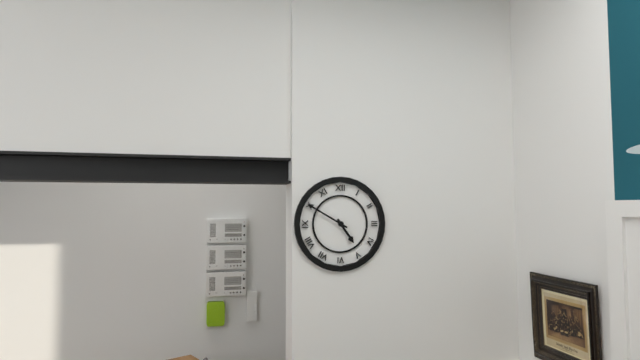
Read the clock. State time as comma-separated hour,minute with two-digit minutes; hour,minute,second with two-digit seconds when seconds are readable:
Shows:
4,50
